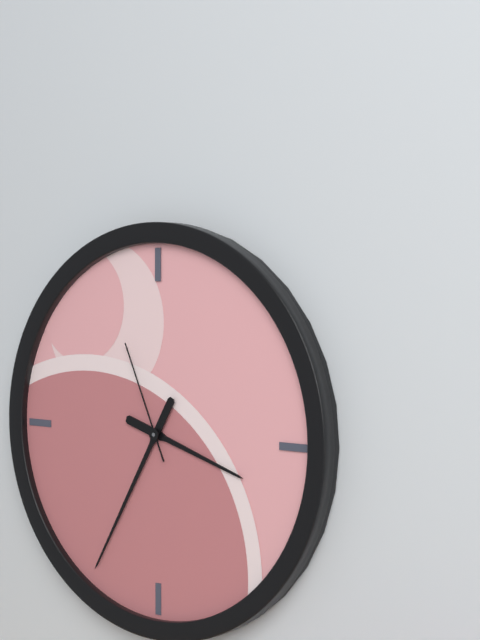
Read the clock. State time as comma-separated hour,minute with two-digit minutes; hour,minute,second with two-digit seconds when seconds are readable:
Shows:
3,35,56
